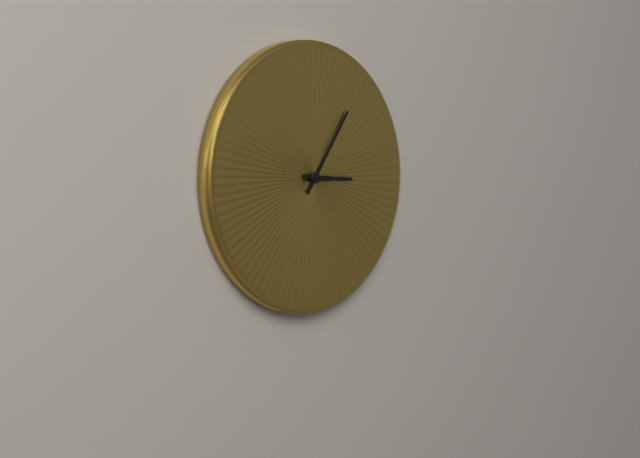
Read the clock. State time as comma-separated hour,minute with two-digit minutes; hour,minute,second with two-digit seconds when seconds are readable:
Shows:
3,06
